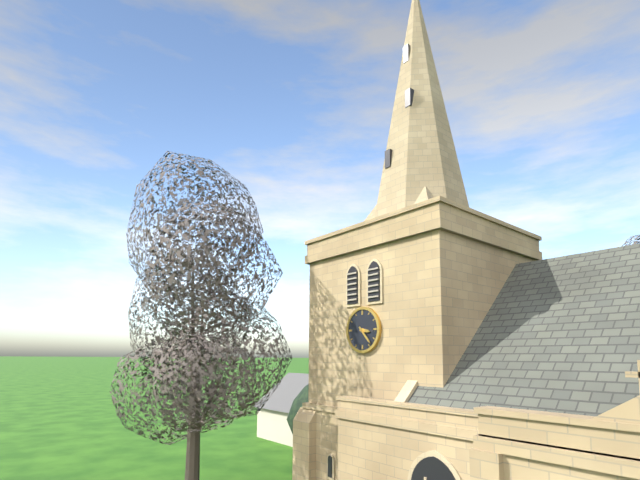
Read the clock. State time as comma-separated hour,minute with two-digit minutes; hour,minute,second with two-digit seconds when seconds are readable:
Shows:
3,23
